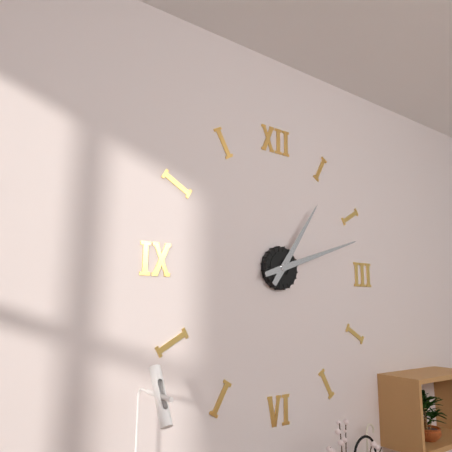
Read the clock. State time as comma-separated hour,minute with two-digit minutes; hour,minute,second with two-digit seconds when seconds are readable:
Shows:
1,12
